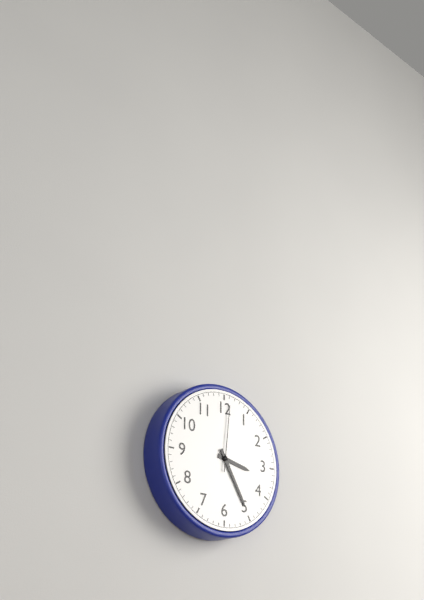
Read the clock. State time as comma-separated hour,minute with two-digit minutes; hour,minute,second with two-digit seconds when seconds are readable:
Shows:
3,25,01
